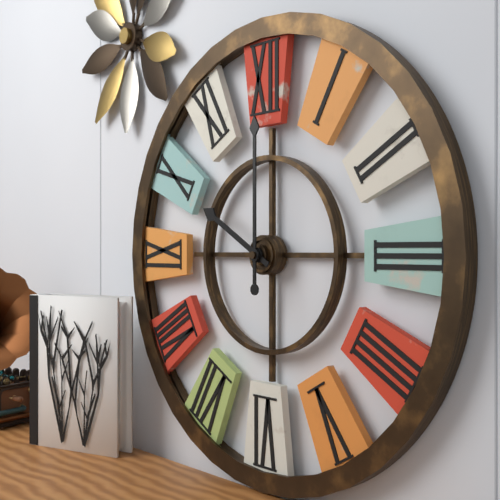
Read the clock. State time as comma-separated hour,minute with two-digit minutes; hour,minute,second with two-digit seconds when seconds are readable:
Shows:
10,00
